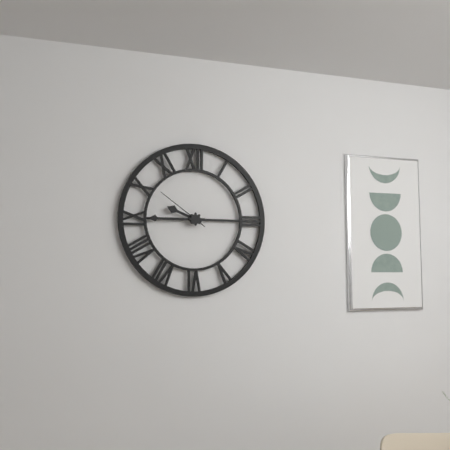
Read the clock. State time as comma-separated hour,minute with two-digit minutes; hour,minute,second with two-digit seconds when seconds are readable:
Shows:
9,45,51
